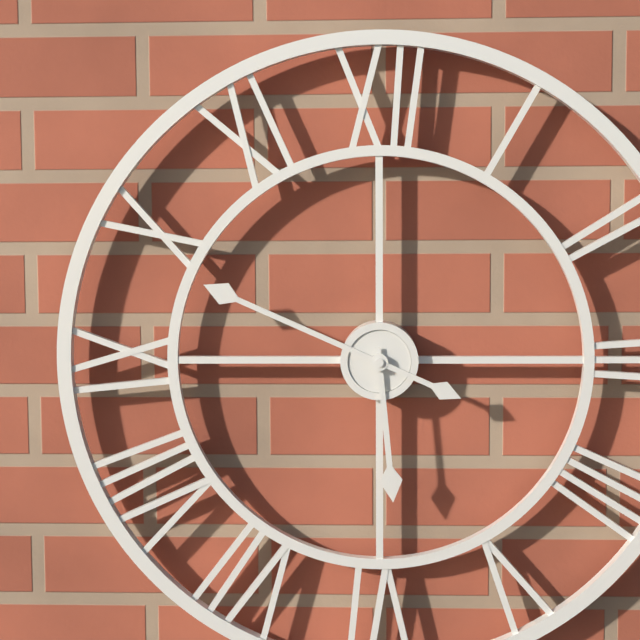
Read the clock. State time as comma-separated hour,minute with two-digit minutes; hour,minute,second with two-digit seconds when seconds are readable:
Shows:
5,49
